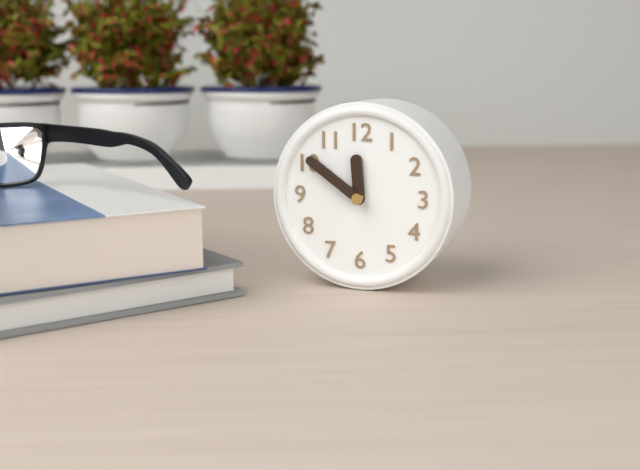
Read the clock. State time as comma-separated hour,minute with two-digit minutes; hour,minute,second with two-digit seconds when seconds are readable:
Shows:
11,51
